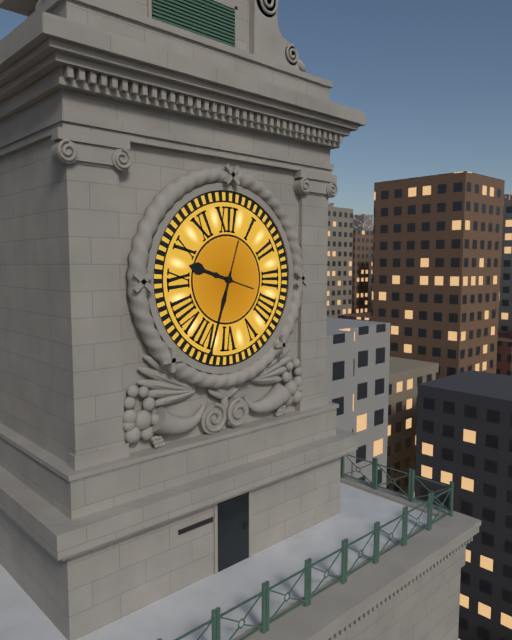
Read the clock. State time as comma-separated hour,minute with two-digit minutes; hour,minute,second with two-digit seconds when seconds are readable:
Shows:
9,33
